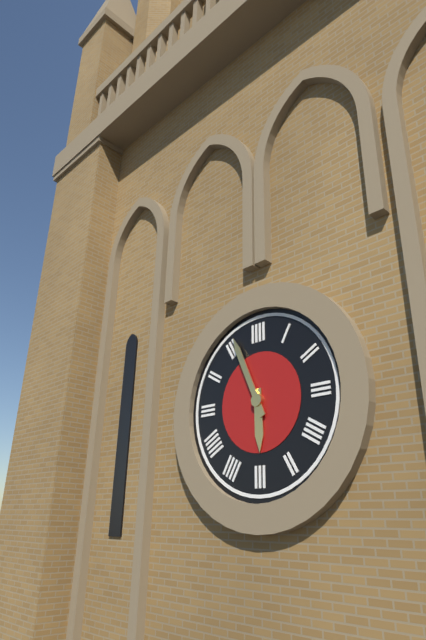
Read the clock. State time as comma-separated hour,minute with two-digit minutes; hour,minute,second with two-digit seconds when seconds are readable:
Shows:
5,56
